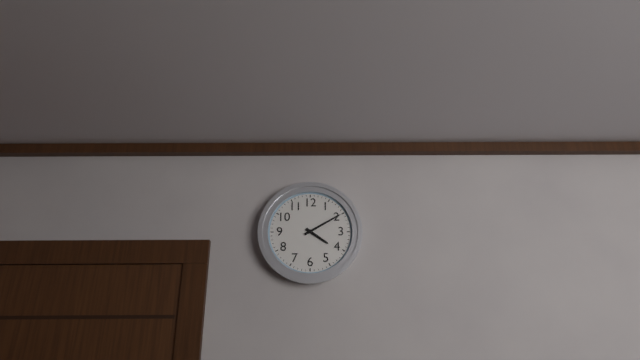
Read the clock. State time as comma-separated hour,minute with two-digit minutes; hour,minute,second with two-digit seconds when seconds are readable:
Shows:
4,10
